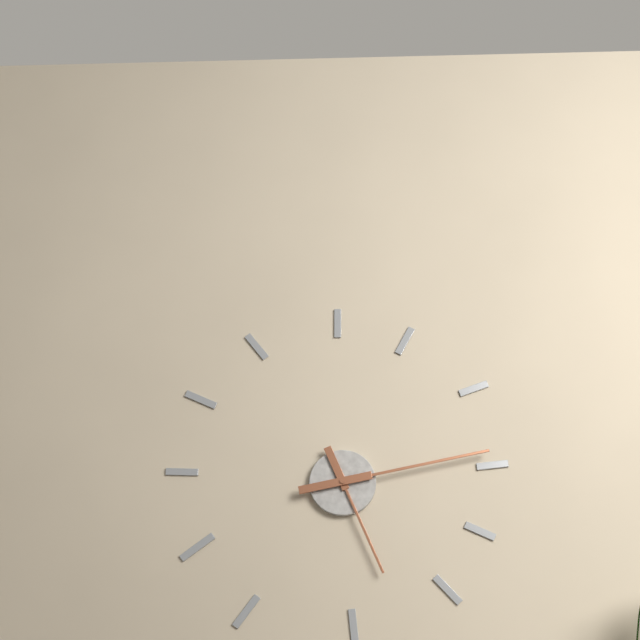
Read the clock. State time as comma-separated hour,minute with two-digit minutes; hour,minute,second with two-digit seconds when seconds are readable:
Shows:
5,13
